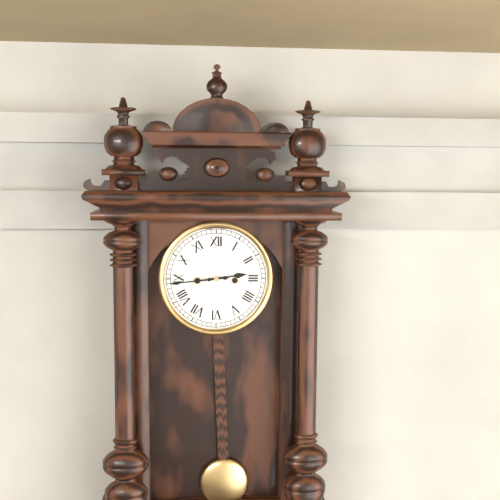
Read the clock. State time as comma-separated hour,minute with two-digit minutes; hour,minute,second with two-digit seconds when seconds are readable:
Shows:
2,44
